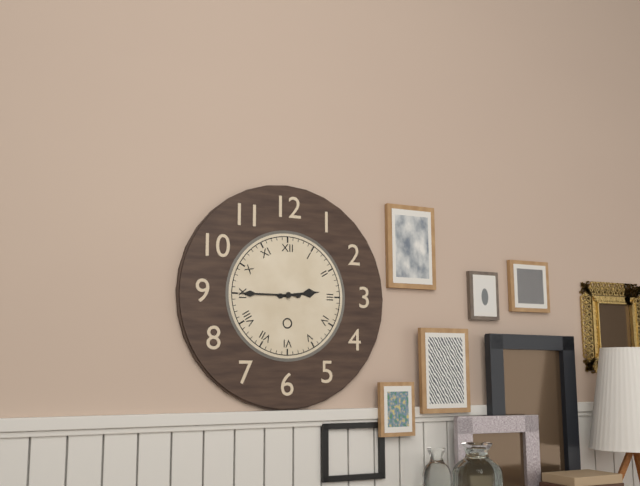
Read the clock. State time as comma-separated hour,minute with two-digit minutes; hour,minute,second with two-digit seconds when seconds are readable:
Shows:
2,45
